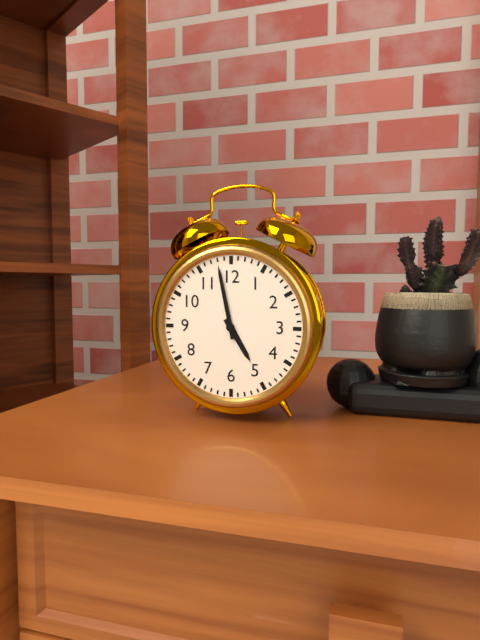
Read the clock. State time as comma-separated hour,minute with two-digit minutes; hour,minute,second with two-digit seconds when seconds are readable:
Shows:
4,58
